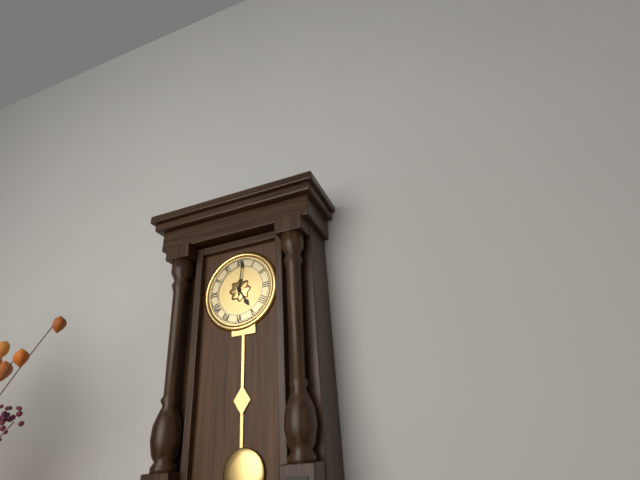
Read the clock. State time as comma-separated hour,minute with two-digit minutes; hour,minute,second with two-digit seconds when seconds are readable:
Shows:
5,01
